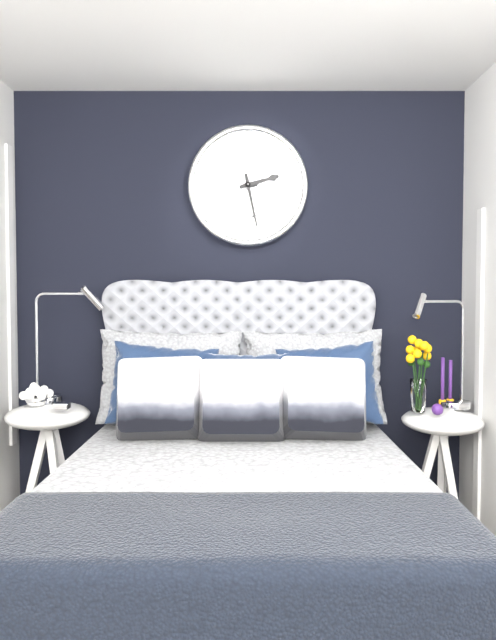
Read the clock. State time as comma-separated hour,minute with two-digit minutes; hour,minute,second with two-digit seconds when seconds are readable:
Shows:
2,28
